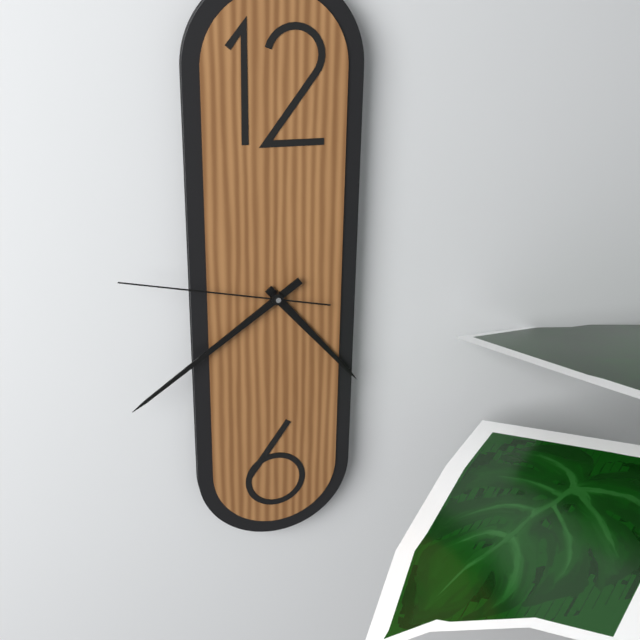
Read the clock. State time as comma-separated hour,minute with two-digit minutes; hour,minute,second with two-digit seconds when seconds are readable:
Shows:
4,39,47
